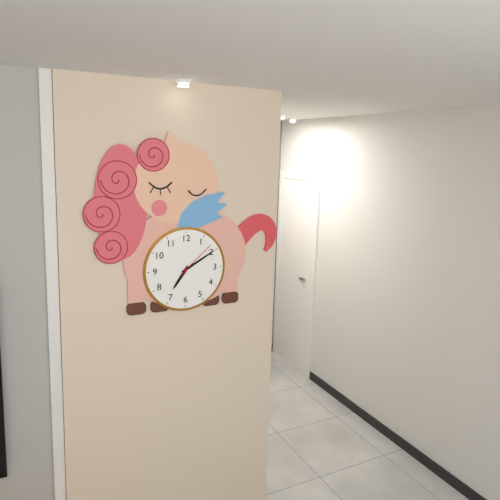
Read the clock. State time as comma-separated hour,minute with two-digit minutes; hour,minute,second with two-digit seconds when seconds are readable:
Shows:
7,10
